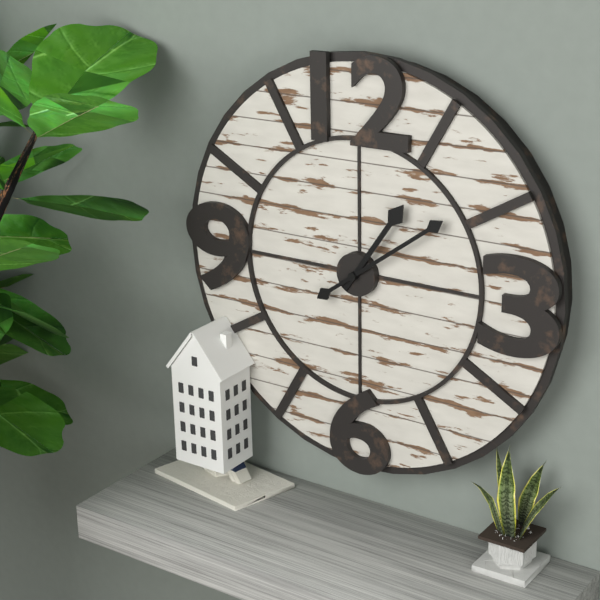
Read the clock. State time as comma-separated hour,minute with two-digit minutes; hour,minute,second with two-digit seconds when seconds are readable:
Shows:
1,09
